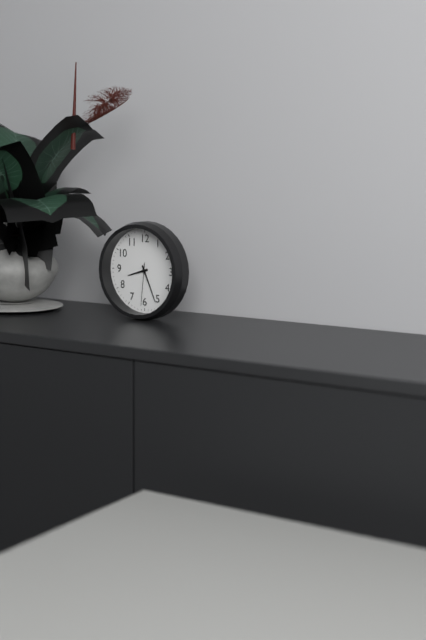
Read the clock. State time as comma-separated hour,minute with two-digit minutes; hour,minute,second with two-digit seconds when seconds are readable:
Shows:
8,26
